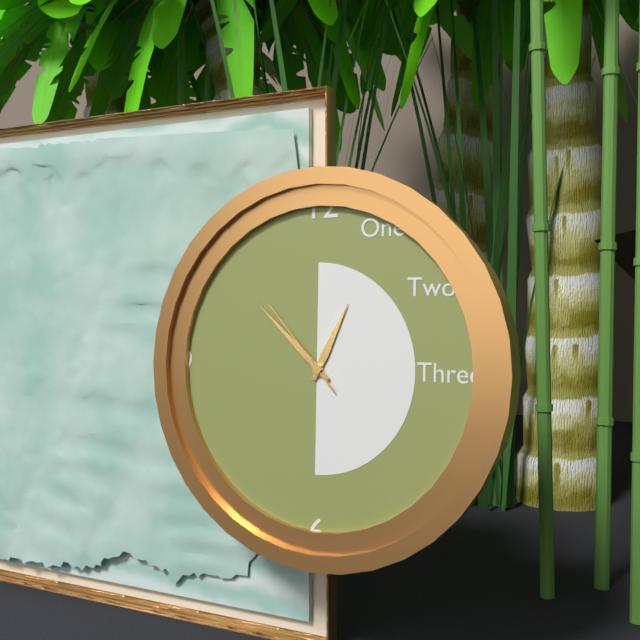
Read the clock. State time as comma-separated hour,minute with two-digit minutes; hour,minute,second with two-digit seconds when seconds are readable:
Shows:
12,52,53
